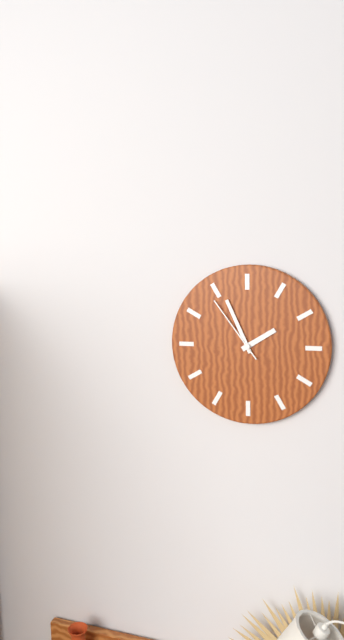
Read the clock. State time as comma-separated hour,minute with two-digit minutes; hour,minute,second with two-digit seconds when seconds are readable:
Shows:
1,56,54
